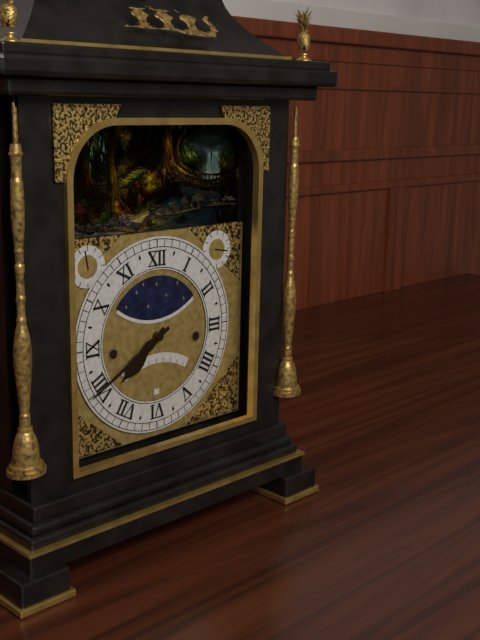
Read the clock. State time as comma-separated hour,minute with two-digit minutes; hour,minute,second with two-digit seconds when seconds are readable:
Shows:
7,40
